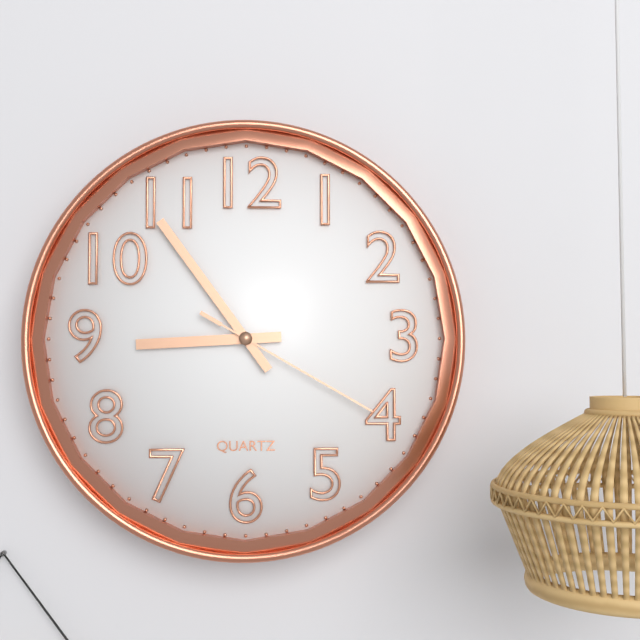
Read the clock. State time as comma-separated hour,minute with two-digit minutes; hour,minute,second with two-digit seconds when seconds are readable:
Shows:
8,54,20
